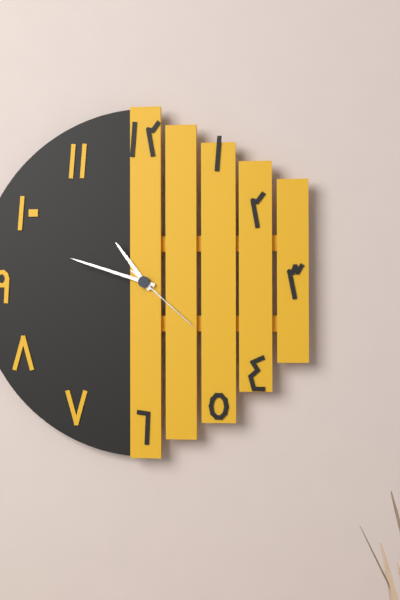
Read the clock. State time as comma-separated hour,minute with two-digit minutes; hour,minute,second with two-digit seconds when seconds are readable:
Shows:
10,48,22
